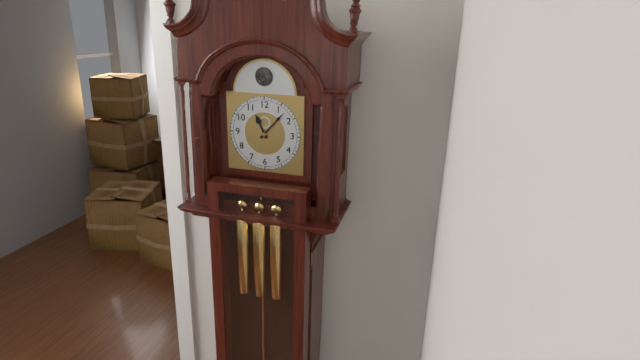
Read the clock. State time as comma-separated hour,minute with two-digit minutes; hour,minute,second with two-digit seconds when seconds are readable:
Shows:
11,07
